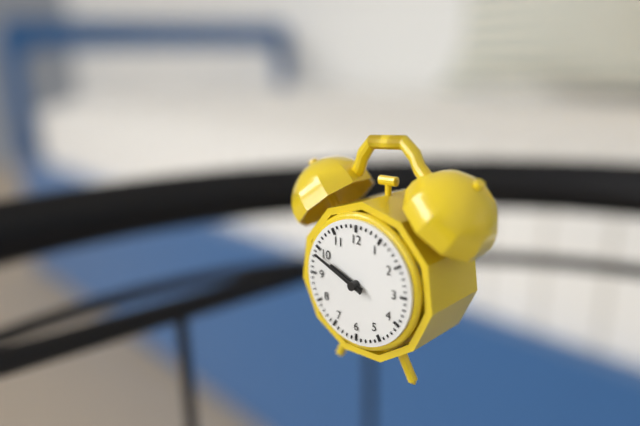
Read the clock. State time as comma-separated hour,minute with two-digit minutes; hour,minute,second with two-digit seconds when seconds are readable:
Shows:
9,49
